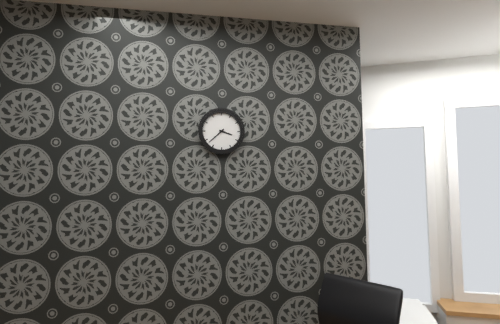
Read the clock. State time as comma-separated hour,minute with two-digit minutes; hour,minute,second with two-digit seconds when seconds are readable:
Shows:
3,38
